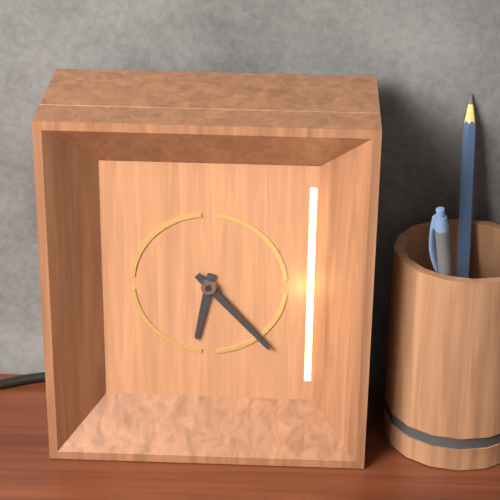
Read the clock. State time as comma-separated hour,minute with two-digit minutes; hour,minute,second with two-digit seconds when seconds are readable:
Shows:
6,23
